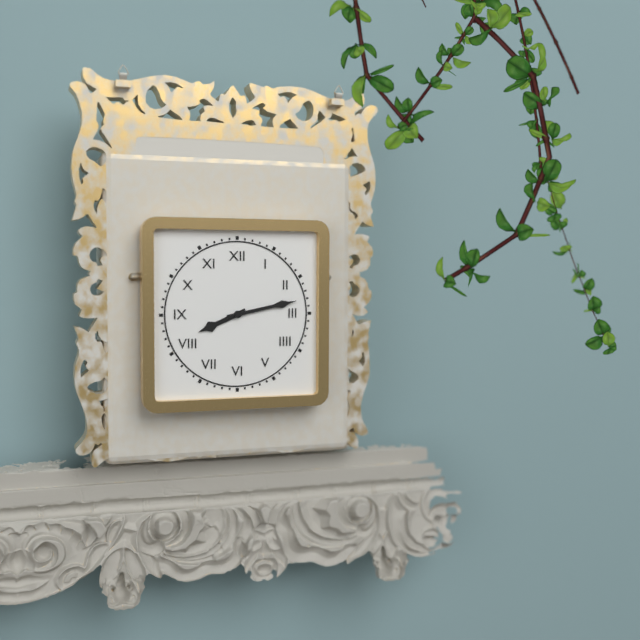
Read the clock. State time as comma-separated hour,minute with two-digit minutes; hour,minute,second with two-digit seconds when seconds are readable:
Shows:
8,13
